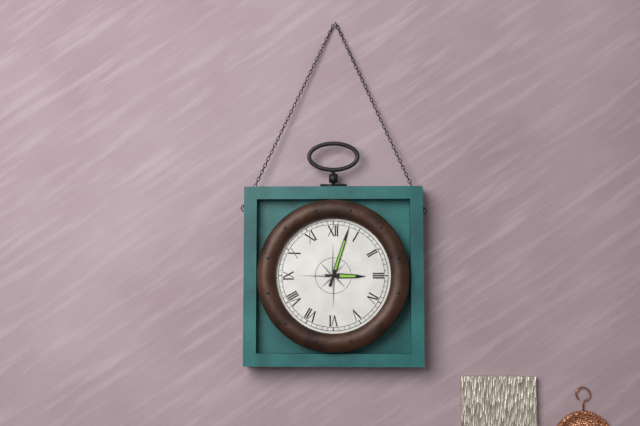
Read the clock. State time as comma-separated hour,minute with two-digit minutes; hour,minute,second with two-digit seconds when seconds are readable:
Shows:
3,03
